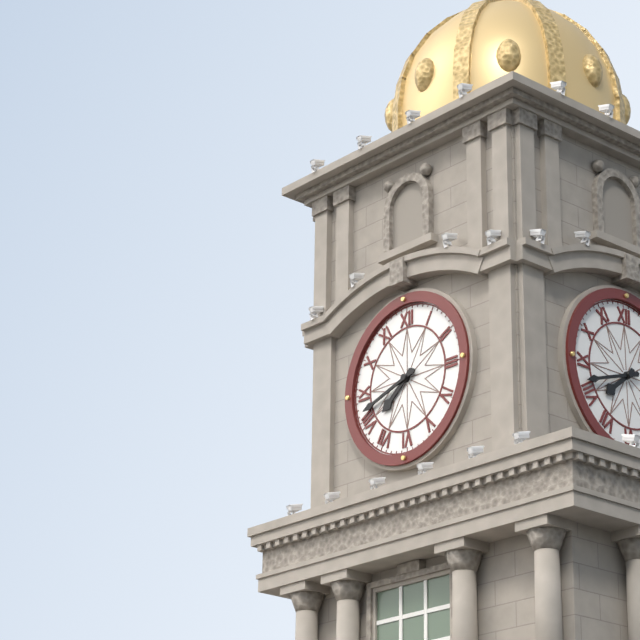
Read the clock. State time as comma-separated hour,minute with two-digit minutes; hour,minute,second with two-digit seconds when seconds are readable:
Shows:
7,42
